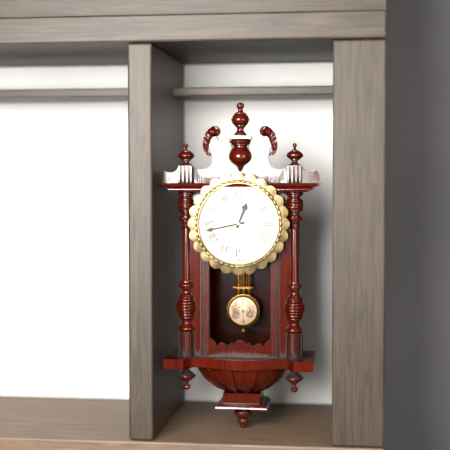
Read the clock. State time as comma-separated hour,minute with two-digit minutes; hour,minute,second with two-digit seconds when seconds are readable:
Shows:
12,43
